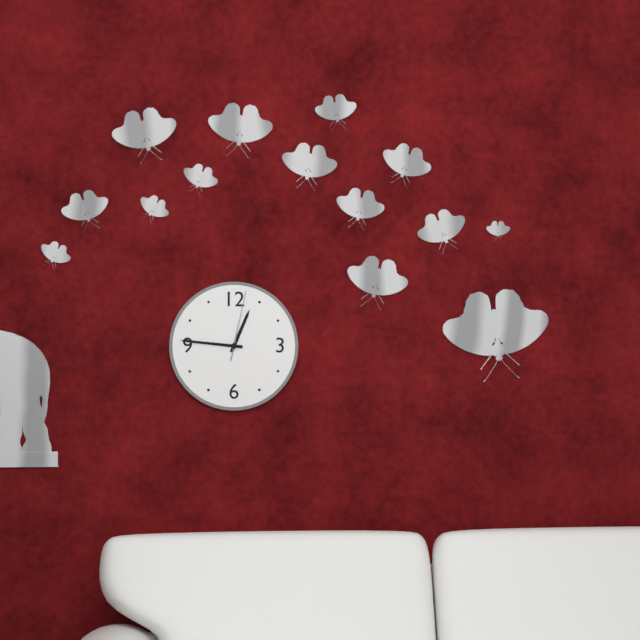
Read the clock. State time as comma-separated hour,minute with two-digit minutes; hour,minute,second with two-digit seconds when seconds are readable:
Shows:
12,46,02
